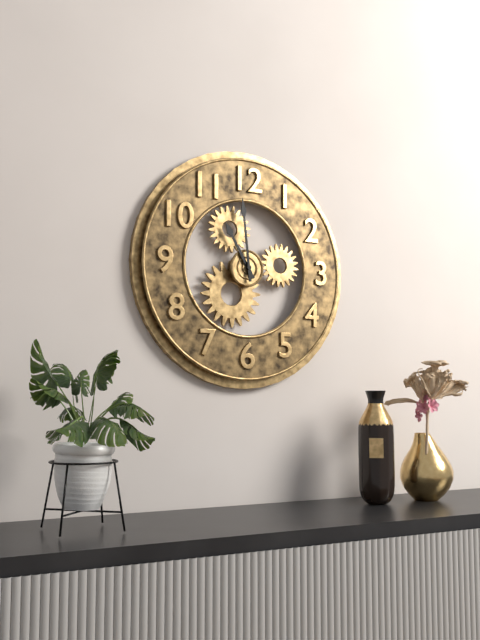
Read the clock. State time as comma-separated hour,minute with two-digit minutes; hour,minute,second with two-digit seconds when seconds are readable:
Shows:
10,59
